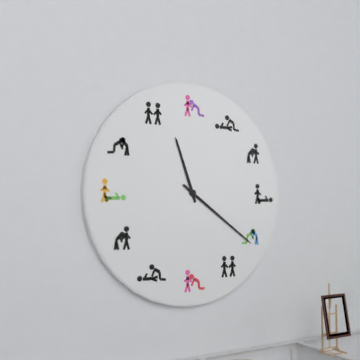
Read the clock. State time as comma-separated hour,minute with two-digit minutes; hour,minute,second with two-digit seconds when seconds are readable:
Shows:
11,21
